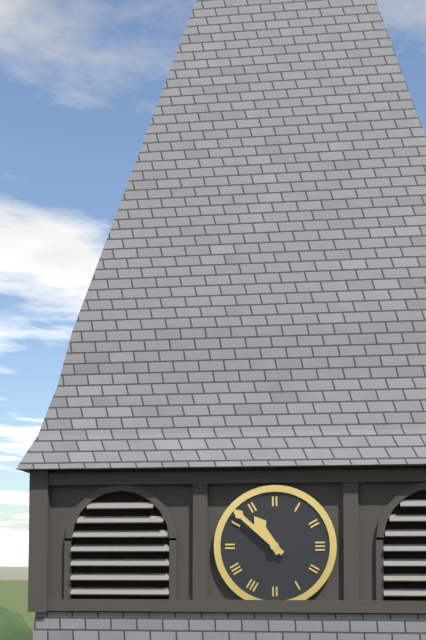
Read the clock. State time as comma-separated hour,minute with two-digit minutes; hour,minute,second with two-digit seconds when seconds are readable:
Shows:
10,52
